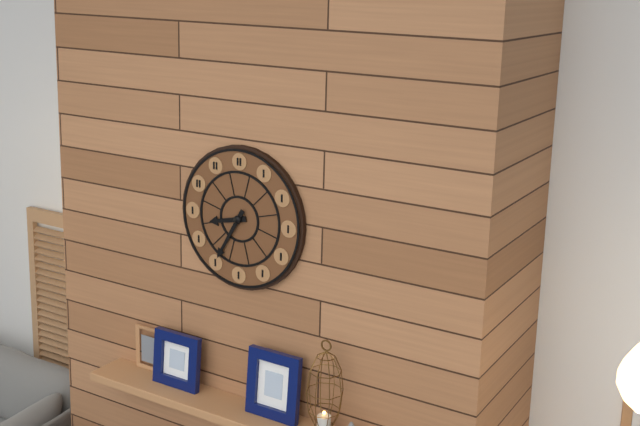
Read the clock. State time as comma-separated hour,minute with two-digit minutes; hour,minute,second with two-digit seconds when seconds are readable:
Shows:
8,35
